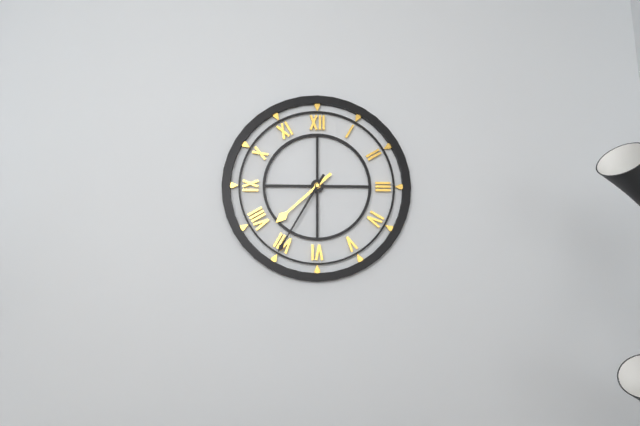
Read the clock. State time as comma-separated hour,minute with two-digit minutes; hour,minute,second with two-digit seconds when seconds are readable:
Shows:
7,35
